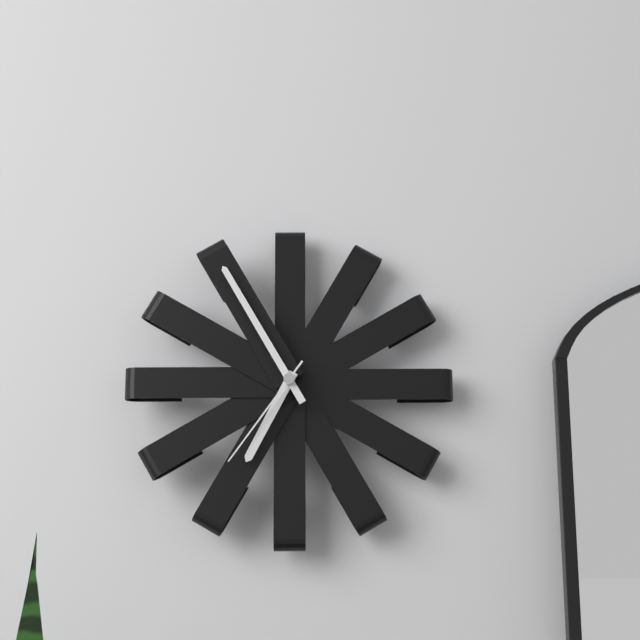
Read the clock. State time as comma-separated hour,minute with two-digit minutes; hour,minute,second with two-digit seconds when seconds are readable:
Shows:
6,55,36
